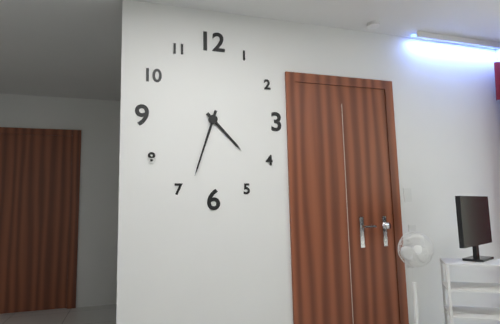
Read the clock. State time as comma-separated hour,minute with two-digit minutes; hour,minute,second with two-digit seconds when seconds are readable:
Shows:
4,33
